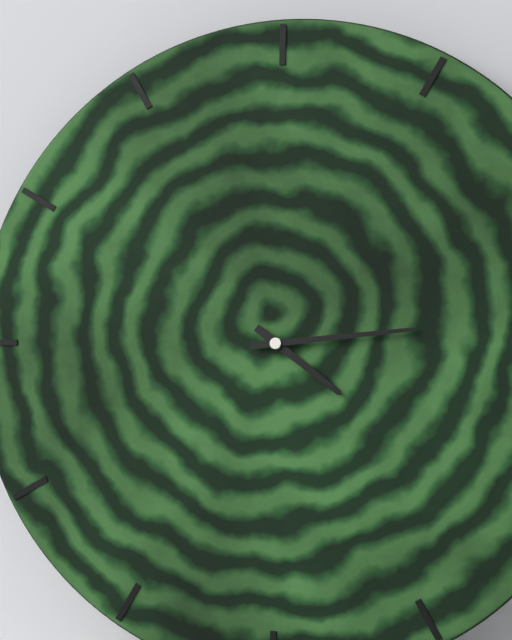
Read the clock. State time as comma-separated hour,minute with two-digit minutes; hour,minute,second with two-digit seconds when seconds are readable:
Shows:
4,14
